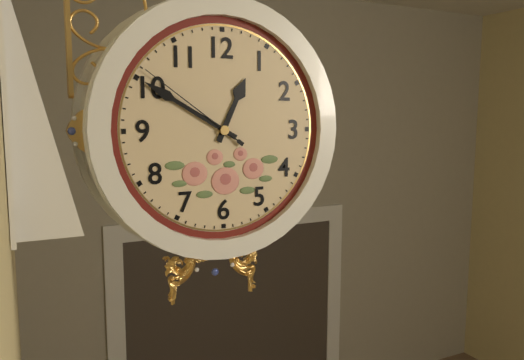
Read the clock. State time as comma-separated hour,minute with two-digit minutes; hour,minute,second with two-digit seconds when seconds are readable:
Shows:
12,50,51
